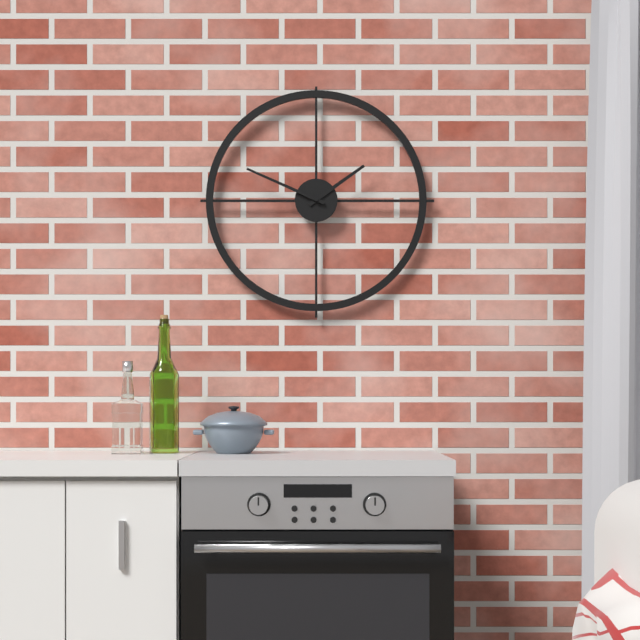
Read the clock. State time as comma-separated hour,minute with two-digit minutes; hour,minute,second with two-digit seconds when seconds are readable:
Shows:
1,49
